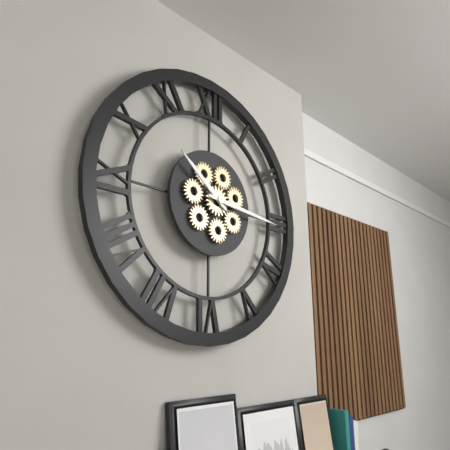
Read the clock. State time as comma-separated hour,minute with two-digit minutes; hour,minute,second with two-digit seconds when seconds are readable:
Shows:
10,16
